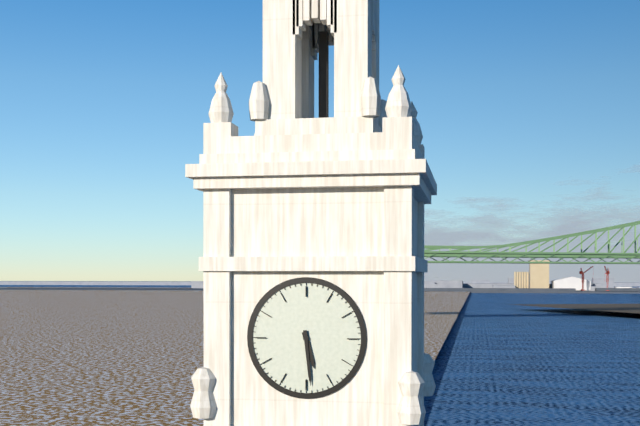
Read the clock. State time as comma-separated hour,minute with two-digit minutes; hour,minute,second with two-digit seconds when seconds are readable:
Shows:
5,29
